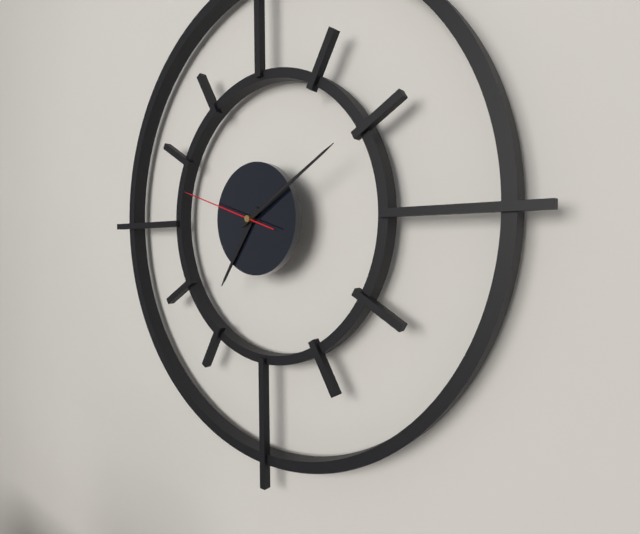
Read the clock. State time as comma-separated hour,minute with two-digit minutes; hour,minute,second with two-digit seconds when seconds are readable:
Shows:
7,10,48
